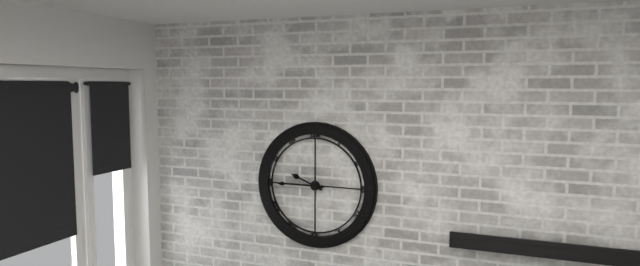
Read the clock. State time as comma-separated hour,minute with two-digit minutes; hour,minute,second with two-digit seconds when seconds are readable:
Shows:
9,45
